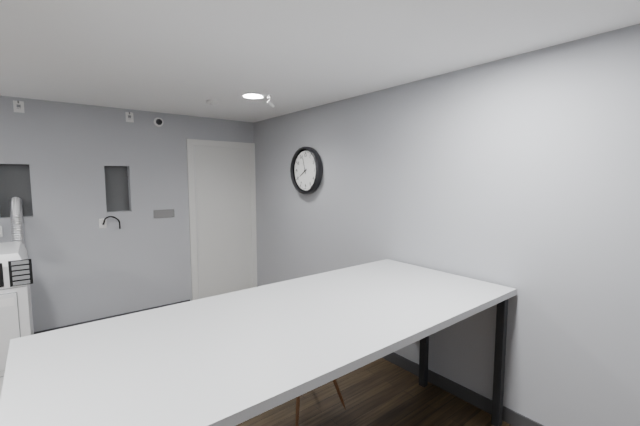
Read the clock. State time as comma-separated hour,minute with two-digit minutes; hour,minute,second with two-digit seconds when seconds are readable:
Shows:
7,57
